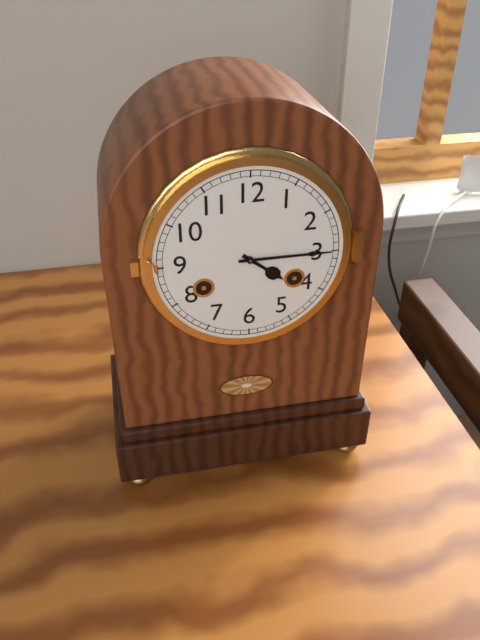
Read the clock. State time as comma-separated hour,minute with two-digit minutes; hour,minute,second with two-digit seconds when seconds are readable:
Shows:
4,15
